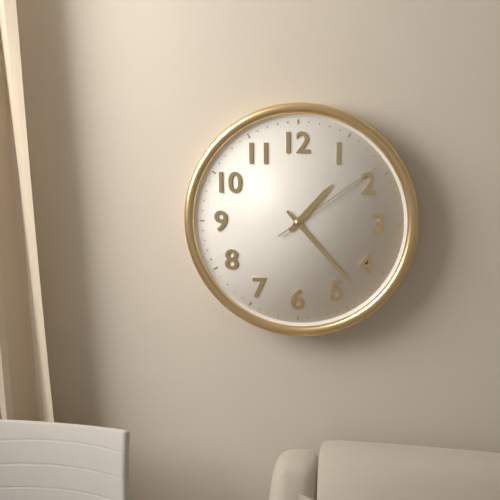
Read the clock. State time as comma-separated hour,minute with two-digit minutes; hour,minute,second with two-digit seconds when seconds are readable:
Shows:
1,23,09
